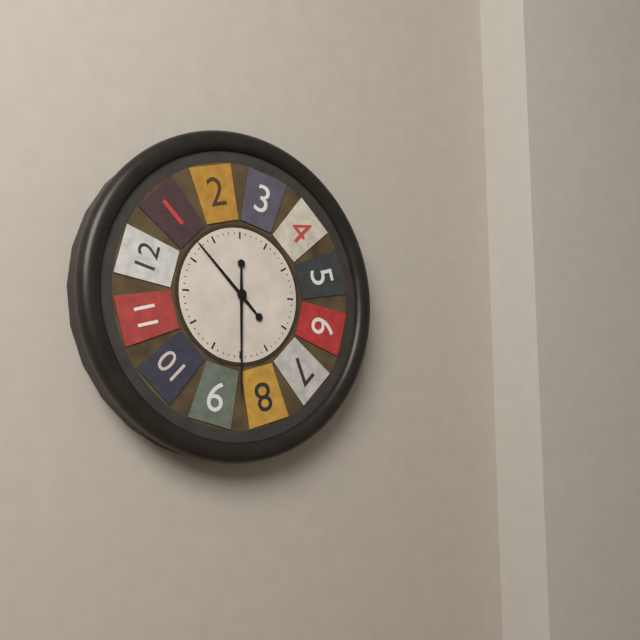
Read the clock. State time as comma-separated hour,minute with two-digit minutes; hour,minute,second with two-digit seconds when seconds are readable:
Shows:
10,30
